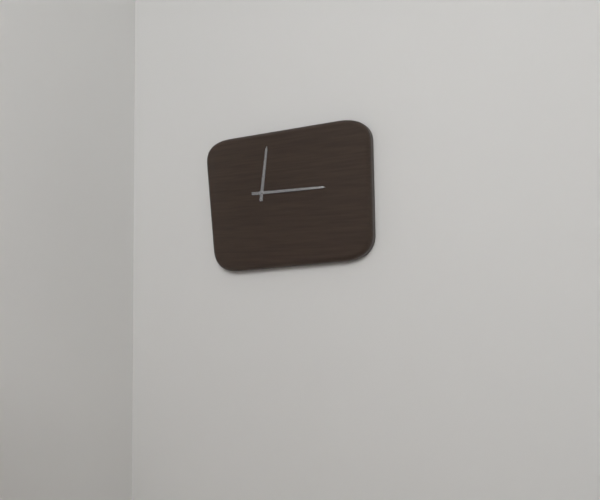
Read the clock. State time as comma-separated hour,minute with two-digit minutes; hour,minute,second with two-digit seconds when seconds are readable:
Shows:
12,15
